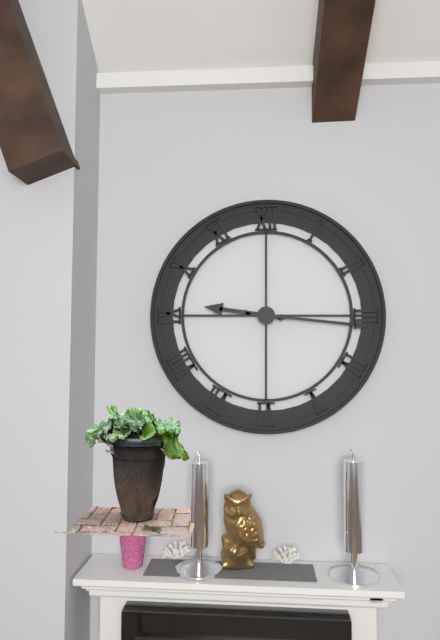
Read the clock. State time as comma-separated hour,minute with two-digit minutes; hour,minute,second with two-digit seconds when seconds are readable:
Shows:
9,16
